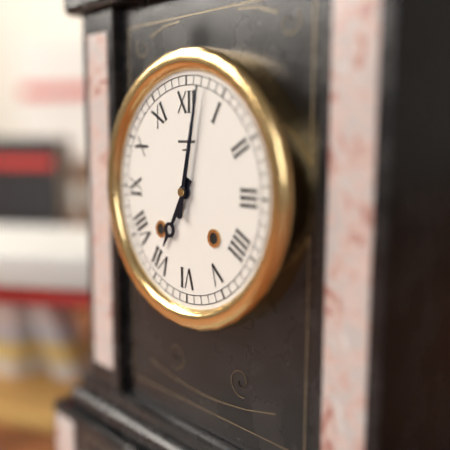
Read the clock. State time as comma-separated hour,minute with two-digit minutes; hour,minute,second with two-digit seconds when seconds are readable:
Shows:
7,02
